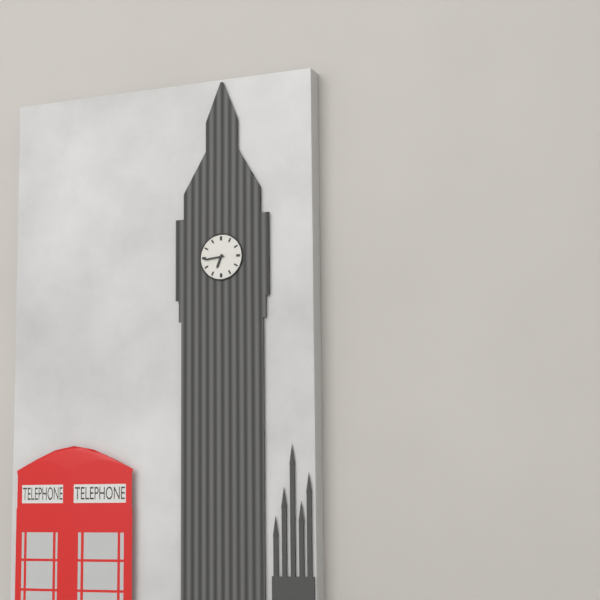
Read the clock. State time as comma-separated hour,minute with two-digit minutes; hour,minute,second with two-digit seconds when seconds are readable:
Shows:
6,44
